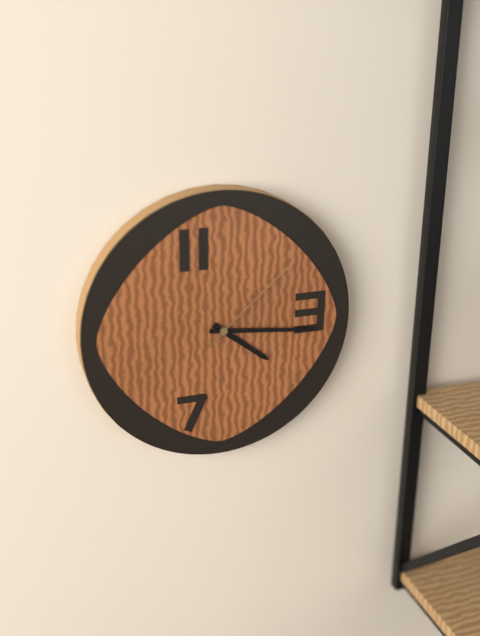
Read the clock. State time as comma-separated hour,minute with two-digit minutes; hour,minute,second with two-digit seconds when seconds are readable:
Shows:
4,16,08
